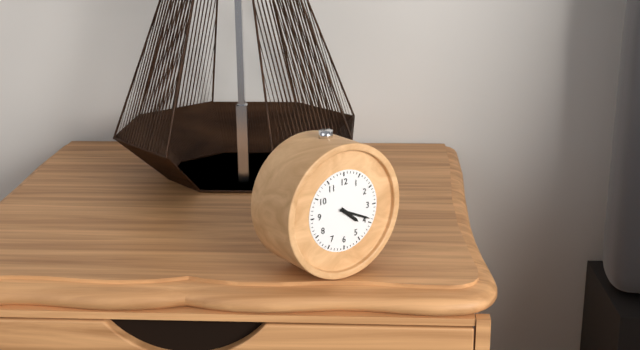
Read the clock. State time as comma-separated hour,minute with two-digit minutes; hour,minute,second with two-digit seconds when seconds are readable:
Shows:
4,19
